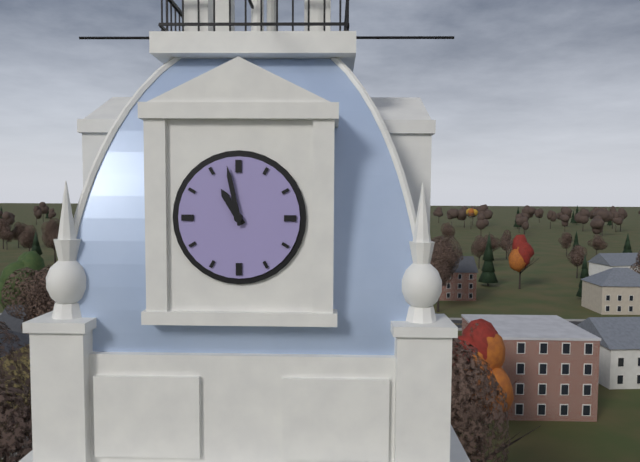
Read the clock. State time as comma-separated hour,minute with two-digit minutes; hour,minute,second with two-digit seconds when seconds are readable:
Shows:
10,58
